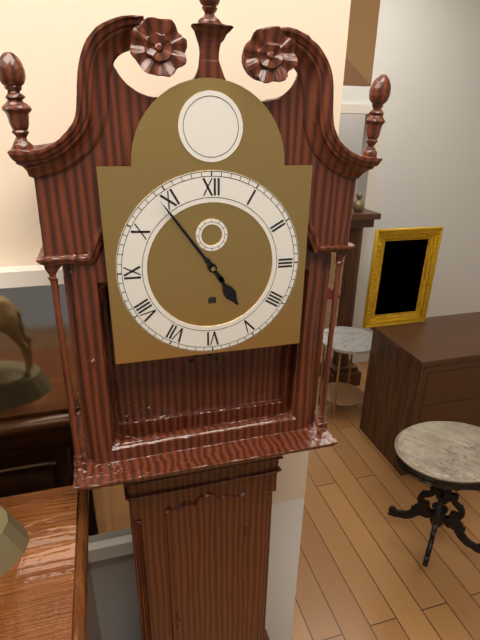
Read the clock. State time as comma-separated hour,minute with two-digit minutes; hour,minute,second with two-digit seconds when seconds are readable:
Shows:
4,54
